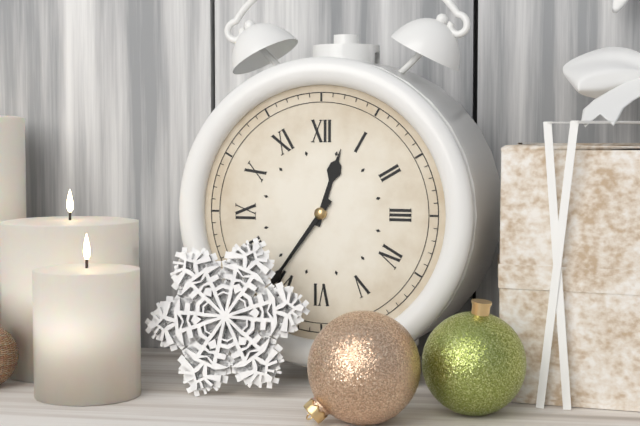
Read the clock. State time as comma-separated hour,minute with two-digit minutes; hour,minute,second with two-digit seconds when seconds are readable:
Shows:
12,36
